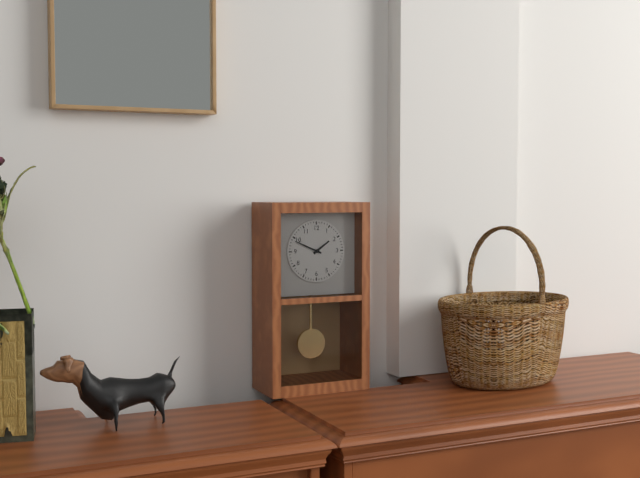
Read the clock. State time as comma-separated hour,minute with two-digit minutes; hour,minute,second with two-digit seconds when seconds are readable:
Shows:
1,49
